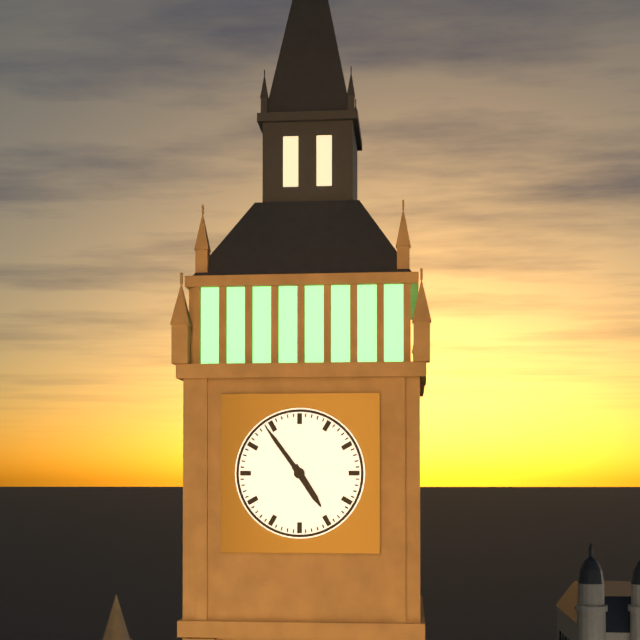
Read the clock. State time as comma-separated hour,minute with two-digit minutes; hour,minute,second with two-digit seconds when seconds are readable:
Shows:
4,54
